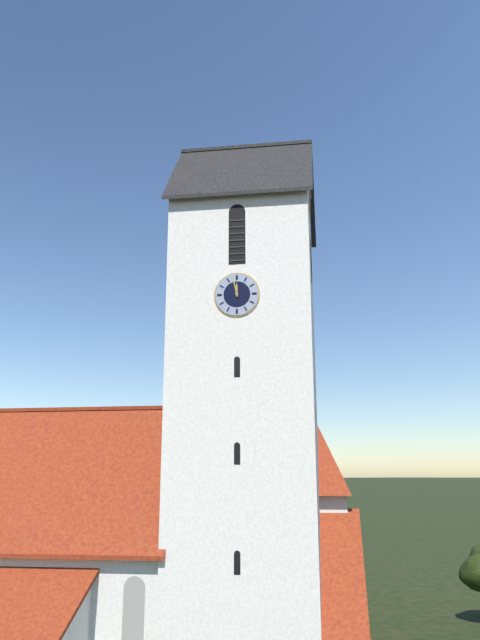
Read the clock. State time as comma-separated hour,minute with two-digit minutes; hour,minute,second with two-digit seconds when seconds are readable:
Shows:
11,58
